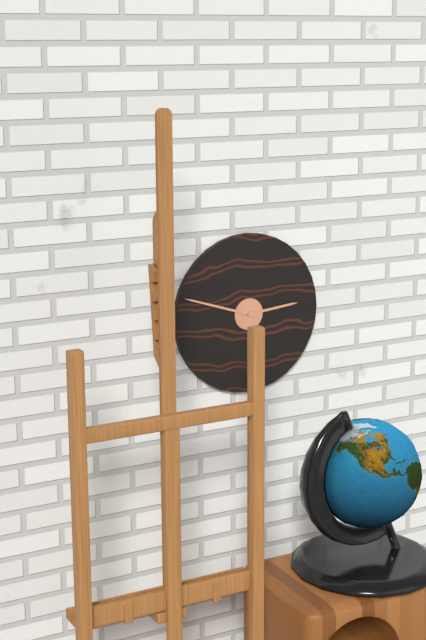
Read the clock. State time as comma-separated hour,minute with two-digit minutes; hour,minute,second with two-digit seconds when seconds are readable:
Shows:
2,48
